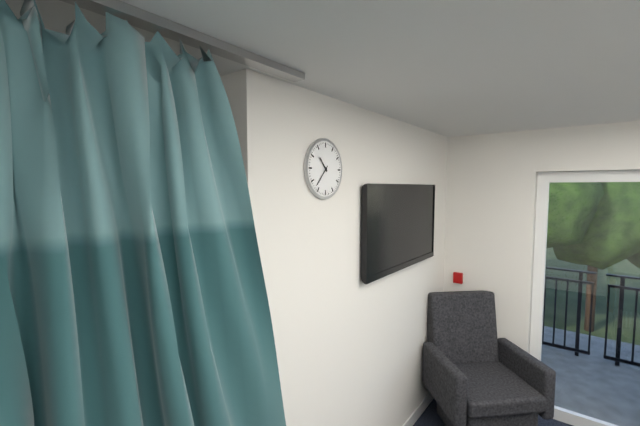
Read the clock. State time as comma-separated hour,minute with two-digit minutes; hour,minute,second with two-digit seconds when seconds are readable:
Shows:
10,37
